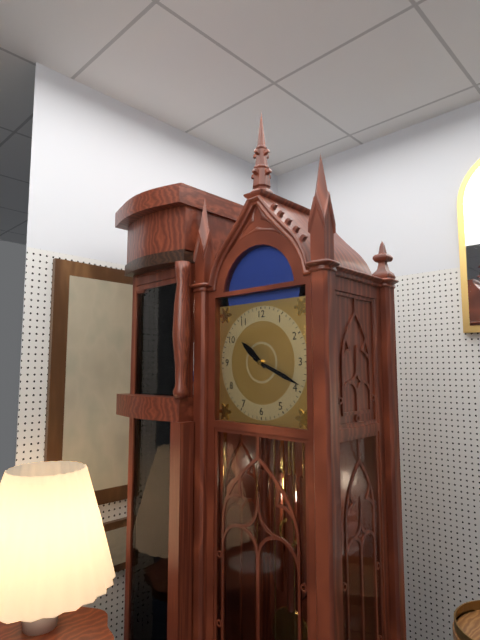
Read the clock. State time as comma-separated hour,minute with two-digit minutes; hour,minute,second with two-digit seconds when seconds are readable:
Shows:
10,19
